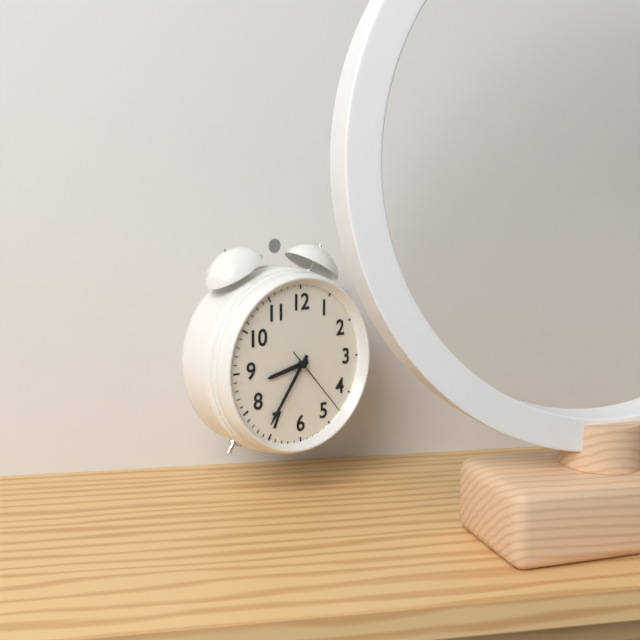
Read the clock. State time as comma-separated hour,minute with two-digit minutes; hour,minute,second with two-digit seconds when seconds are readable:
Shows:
8,36,23
